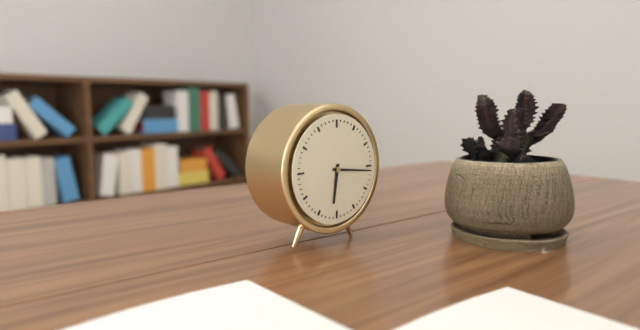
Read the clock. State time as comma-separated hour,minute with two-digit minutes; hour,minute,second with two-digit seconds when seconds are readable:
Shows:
6,16
